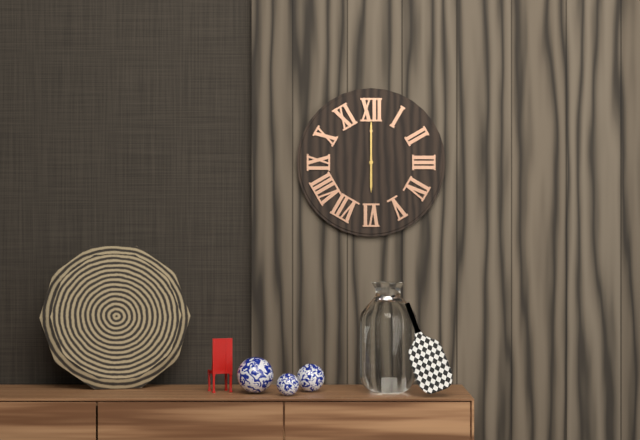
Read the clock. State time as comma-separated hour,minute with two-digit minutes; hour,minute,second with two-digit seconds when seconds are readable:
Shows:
6,00
